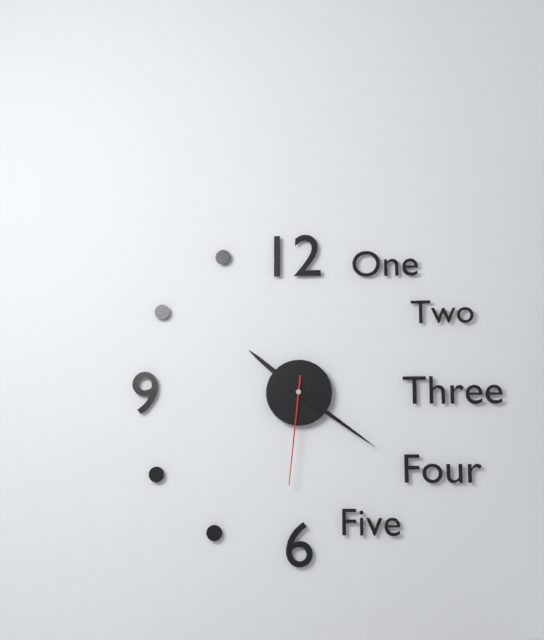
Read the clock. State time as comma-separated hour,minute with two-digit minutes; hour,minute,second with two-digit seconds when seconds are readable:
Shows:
10,21,31
